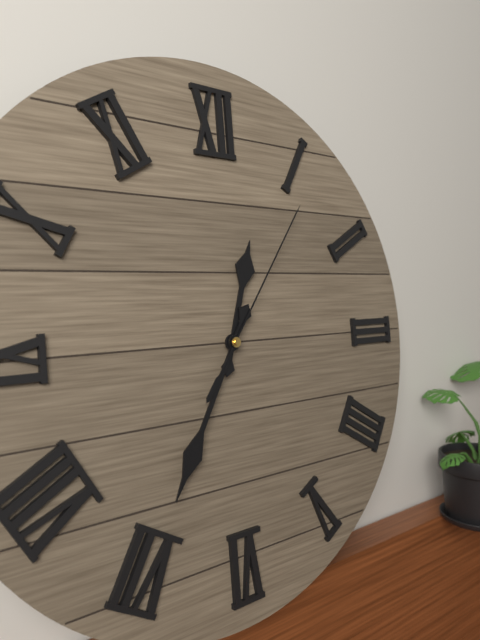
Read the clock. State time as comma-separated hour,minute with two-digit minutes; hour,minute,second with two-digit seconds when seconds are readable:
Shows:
12,35,06
